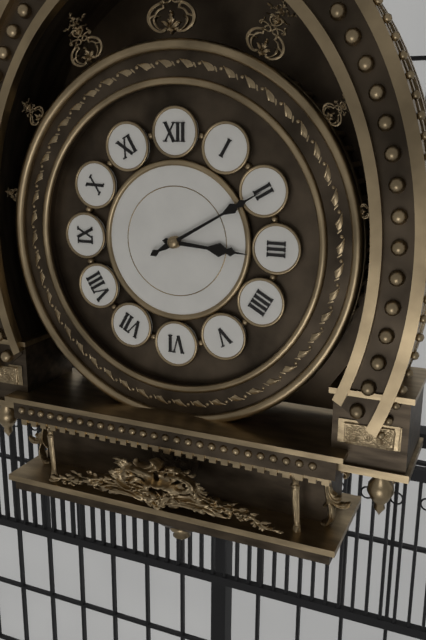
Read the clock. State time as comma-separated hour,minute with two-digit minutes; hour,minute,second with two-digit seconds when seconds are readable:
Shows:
3,10
